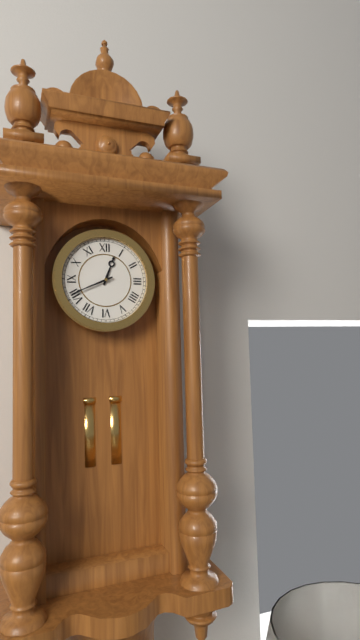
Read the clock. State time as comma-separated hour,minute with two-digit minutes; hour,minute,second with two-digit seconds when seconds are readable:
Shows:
12,41
